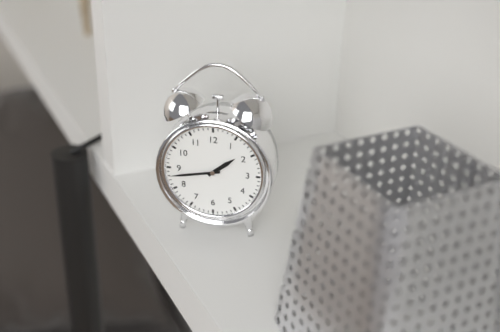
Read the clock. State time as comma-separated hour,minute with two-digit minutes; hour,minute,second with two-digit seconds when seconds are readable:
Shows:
1,43
